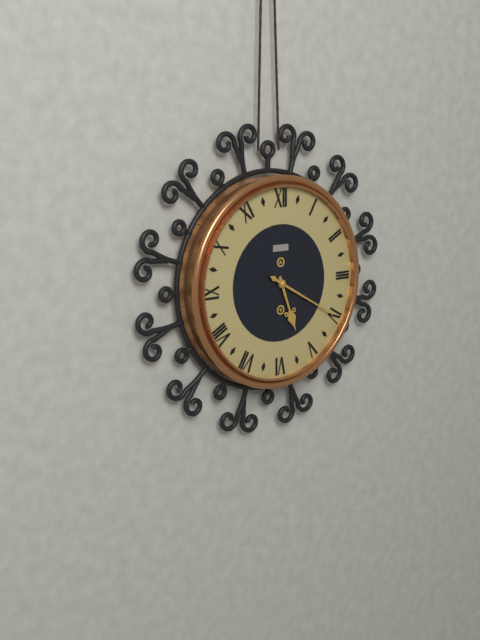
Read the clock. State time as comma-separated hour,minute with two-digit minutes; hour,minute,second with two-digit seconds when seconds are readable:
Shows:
5,20
